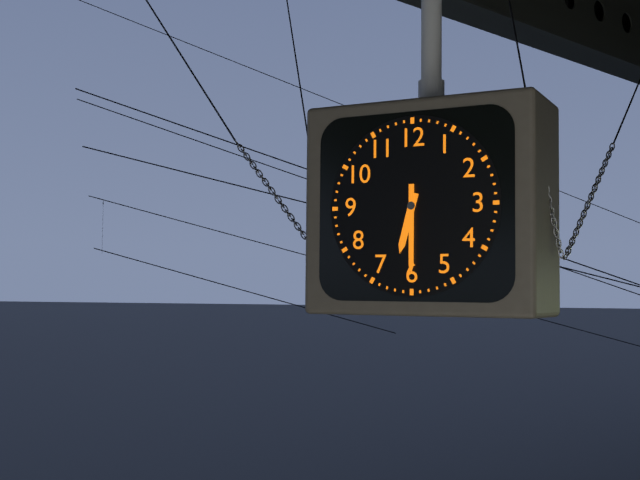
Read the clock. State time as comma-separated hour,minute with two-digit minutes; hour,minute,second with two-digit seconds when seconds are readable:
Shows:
6,30
